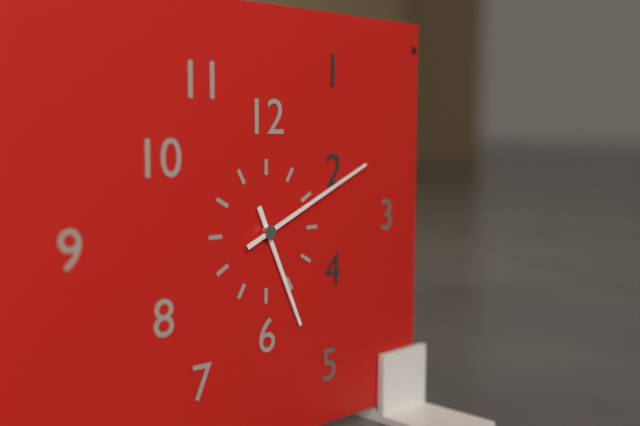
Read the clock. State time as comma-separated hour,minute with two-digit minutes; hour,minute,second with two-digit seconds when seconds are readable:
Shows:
5,11
